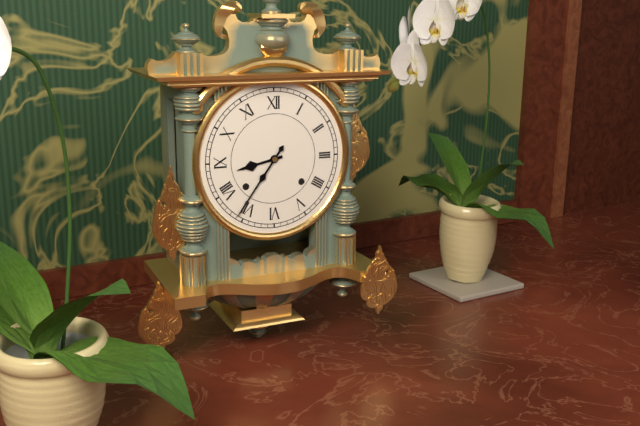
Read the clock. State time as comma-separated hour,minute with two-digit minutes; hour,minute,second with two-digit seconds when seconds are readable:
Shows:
8,36
